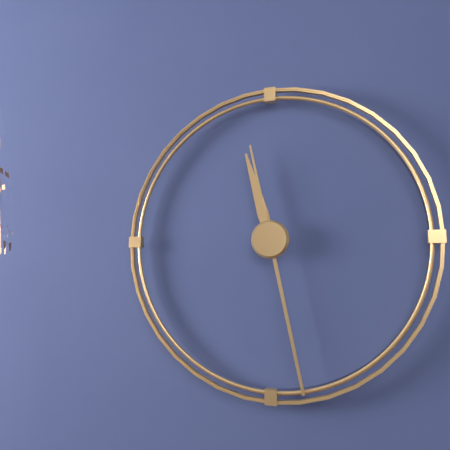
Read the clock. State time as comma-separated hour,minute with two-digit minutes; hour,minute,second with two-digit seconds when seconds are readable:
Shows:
11,28
